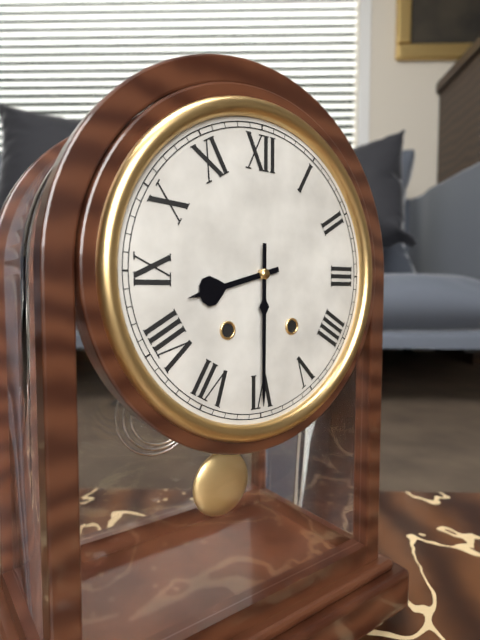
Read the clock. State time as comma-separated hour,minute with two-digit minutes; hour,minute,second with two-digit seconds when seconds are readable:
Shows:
8,30
